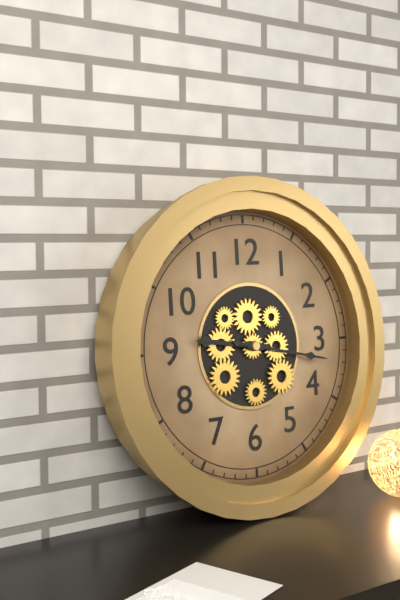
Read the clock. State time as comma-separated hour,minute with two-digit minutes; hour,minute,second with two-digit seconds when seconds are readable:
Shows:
9,17
